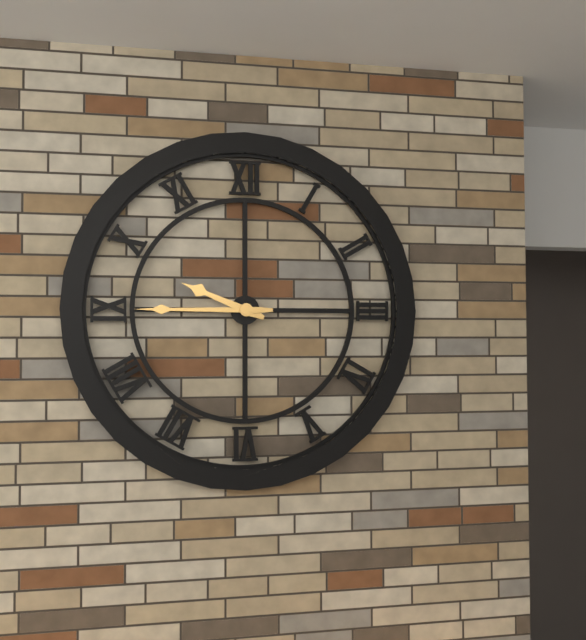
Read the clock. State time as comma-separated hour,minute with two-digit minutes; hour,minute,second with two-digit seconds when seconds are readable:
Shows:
9,45
